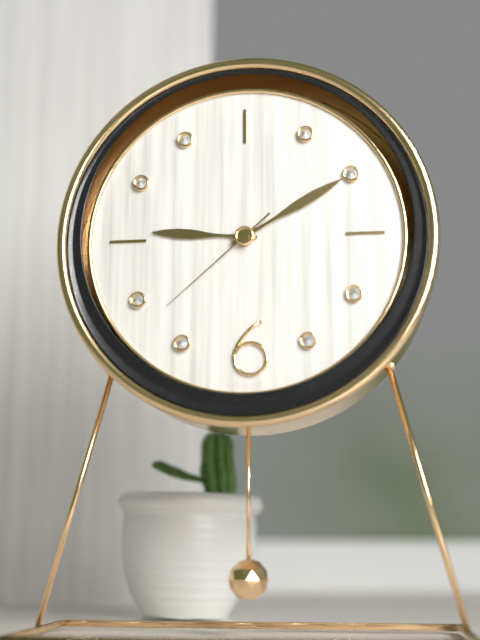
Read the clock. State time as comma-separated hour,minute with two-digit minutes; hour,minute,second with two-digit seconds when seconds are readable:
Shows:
9,10,38
